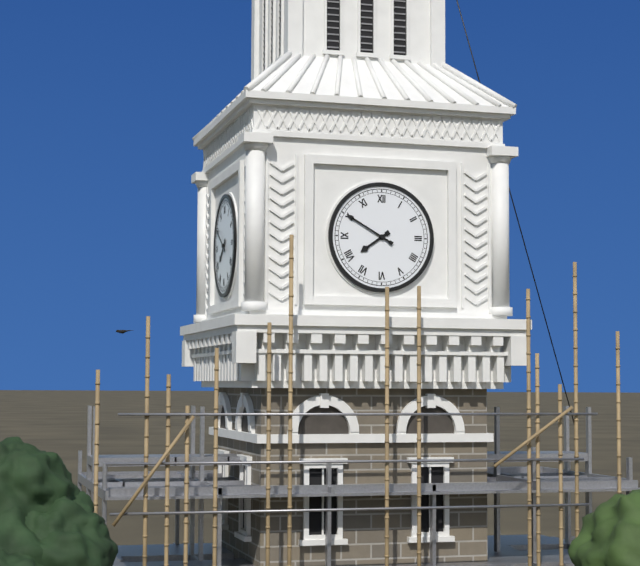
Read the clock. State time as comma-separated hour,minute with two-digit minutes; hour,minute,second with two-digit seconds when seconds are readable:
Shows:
7,50
